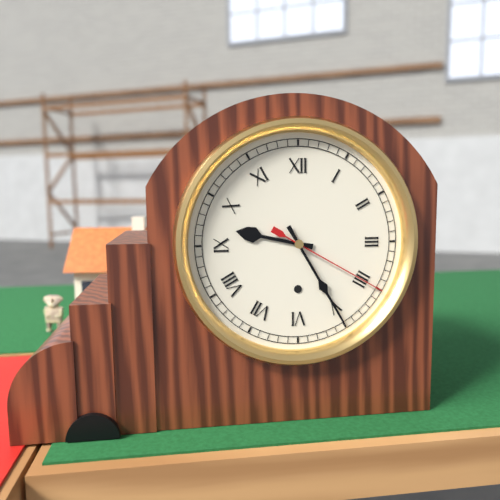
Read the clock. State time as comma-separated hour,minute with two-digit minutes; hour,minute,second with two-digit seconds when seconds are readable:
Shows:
9,25,20
